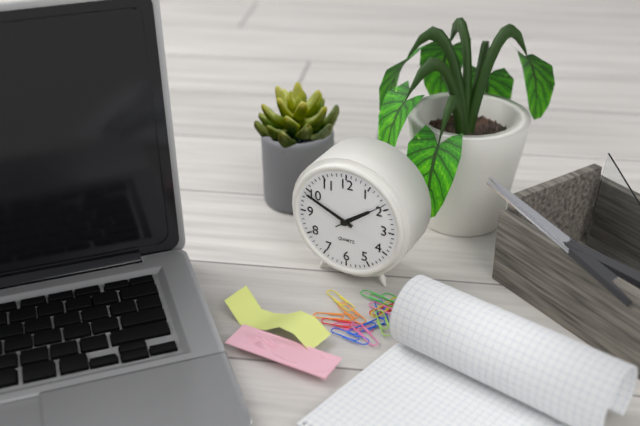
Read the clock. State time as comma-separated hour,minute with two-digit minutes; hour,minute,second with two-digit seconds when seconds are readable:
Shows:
1,49,09
